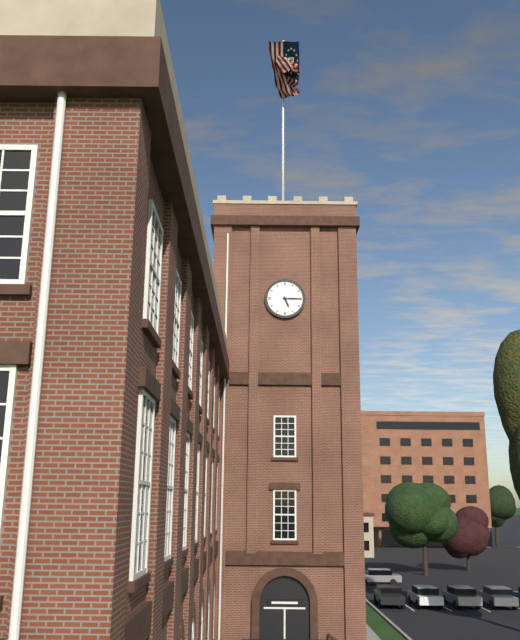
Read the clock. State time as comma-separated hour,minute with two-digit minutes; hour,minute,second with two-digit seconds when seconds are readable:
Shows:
5,15
